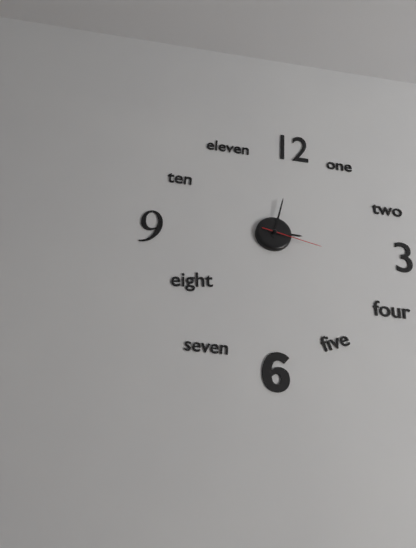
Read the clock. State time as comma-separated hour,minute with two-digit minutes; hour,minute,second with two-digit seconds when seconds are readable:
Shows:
3,02,17
